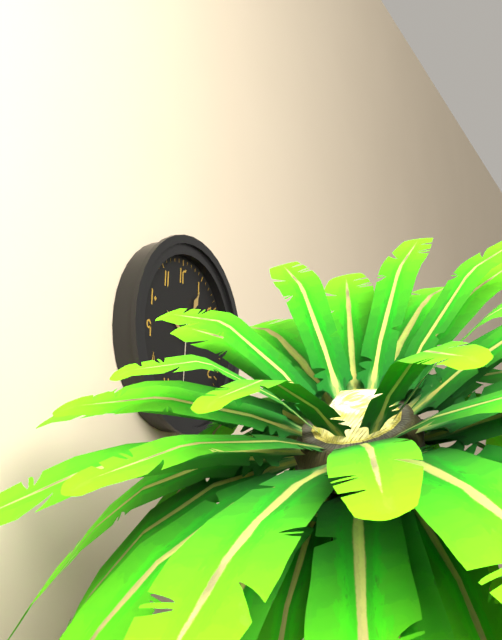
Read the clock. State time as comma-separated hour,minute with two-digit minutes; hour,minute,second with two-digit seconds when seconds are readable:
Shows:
10,05,31
